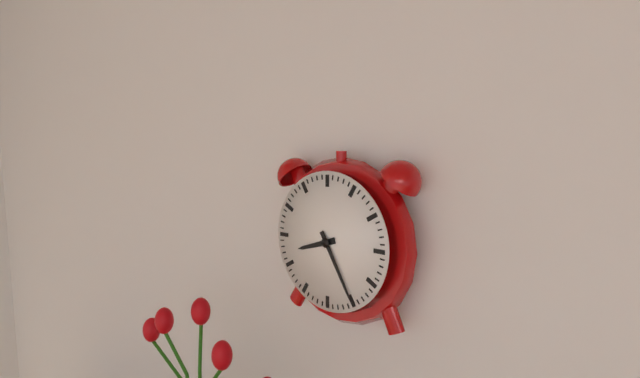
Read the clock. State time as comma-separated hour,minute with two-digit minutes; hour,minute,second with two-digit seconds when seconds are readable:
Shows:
8,25
